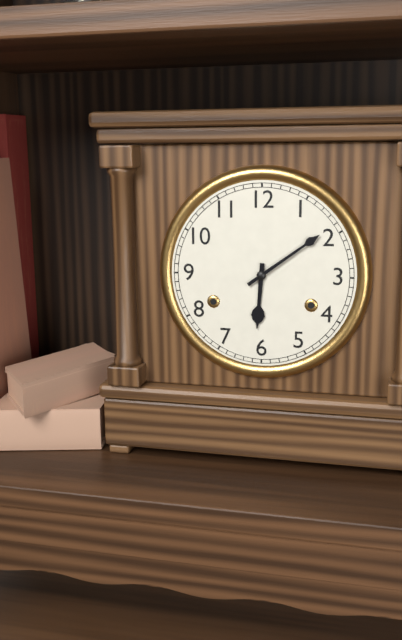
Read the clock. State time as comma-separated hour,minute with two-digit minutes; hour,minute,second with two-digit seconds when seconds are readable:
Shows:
6,09
